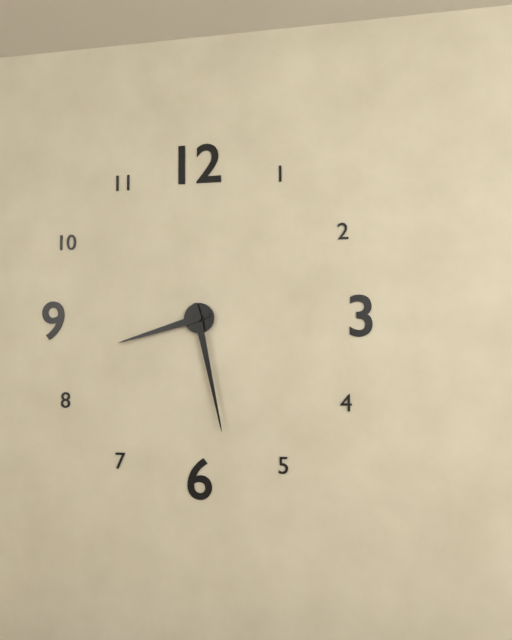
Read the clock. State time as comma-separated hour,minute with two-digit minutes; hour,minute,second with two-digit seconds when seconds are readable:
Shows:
8,28
